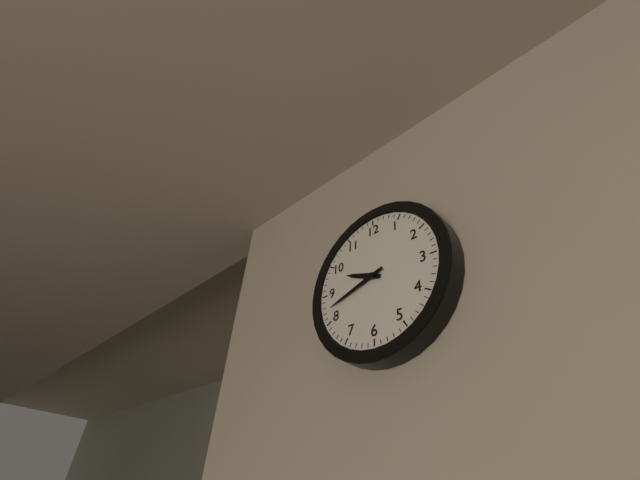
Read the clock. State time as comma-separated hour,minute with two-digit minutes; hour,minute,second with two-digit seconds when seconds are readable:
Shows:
9,42
